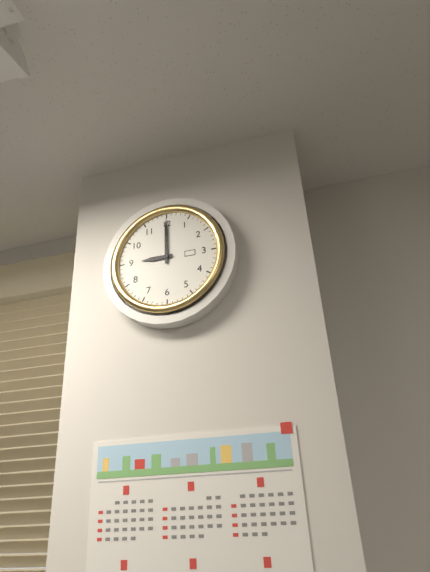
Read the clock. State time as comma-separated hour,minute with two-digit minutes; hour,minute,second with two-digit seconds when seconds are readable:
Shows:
9,00
